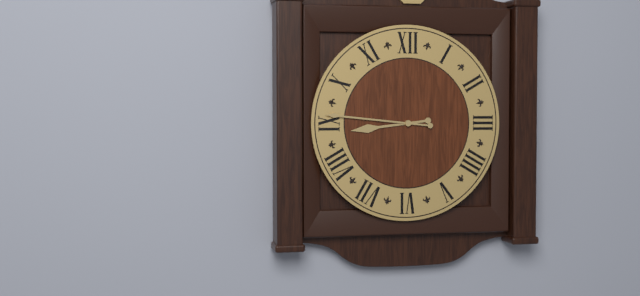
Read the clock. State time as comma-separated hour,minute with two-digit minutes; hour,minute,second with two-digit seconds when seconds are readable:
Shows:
8,46
